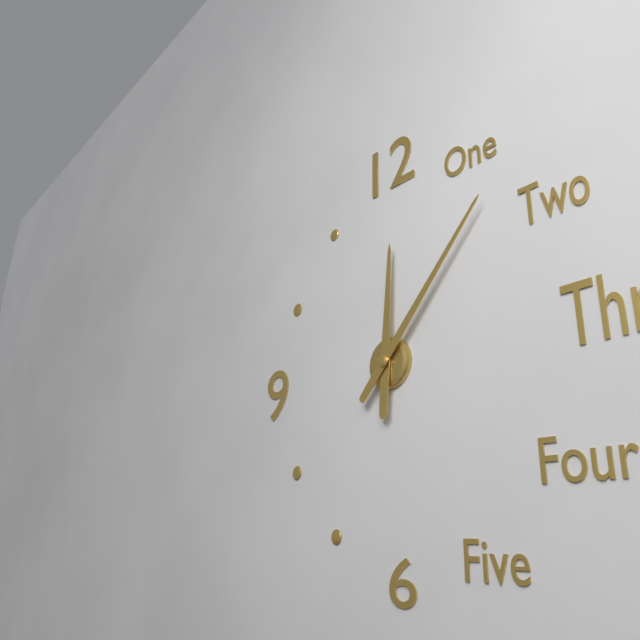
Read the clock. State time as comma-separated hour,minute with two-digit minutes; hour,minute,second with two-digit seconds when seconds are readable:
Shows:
12,07
